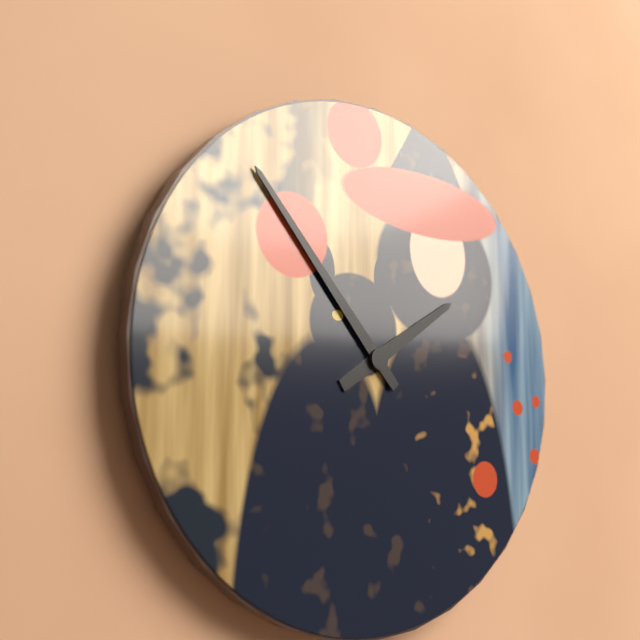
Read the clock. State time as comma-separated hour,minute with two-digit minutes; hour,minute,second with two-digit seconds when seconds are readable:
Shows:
1,53
